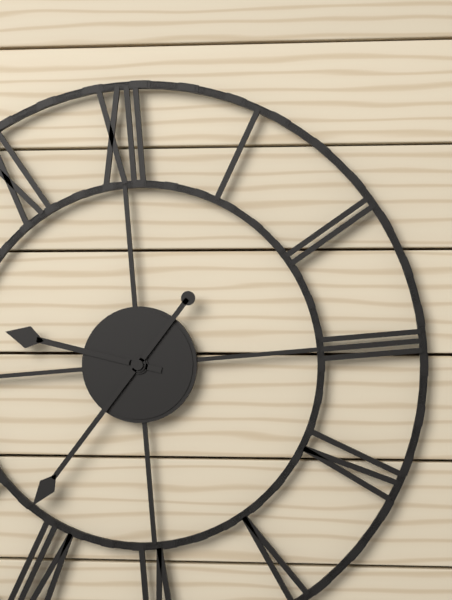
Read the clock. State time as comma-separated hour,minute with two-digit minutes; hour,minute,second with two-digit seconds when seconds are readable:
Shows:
9,37
